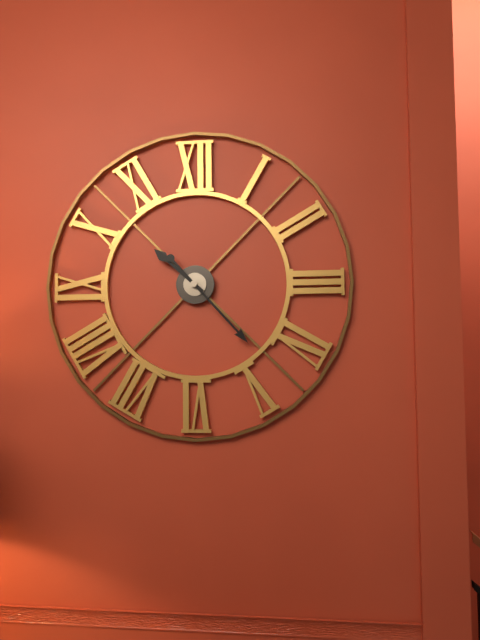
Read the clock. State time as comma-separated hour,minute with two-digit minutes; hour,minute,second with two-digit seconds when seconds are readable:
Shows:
10,23
